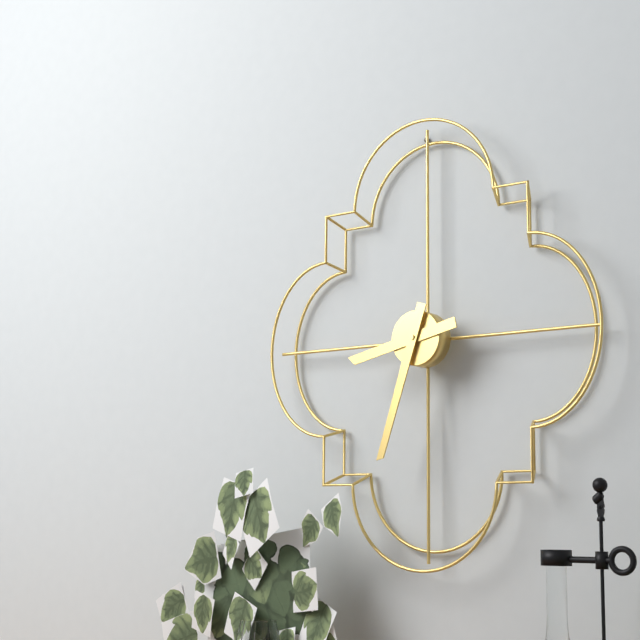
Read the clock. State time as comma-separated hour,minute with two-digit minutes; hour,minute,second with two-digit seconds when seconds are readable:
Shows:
8,33
